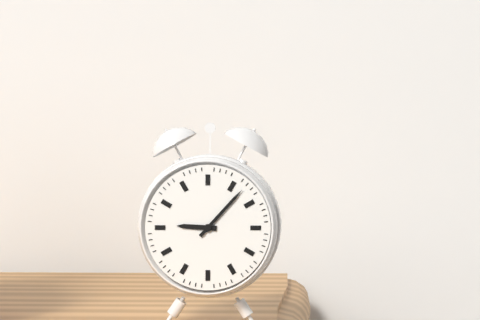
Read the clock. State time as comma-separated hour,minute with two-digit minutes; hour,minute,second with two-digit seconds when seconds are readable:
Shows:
9,07
